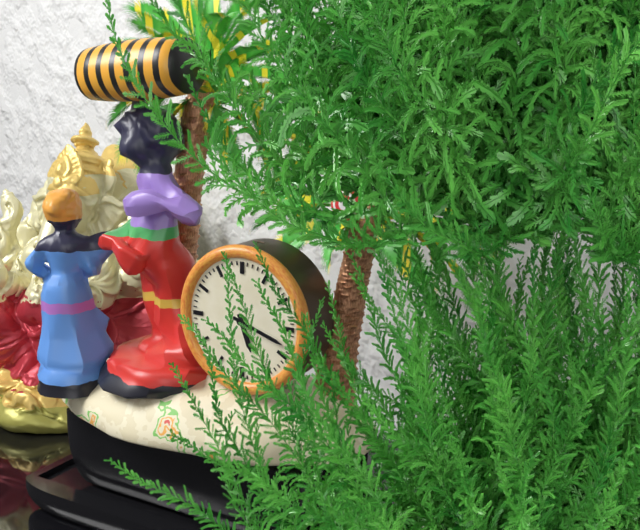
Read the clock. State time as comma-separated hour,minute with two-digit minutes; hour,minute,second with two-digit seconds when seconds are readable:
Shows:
5,18
